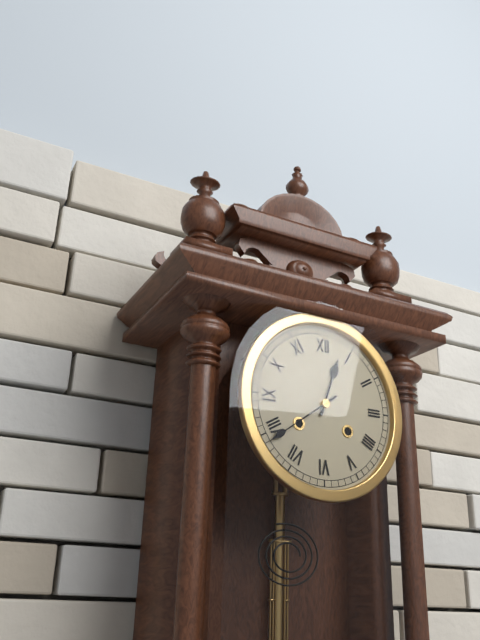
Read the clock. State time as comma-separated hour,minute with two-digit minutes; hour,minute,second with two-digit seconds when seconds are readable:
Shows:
12,39
